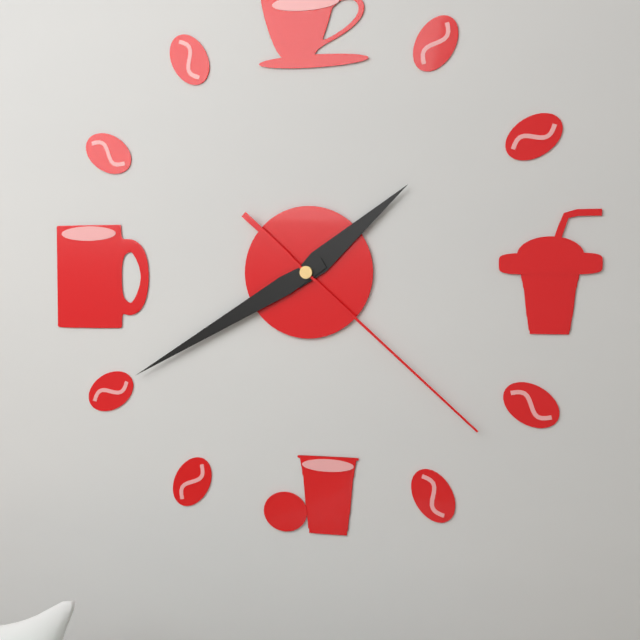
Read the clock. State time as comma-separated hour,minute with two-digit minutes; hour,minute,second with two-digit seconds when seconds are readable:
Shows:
1,40,22
